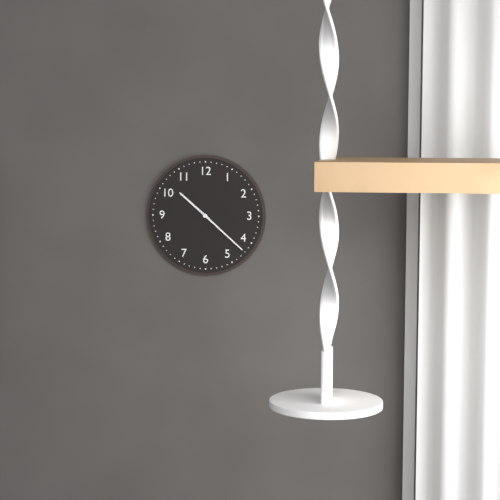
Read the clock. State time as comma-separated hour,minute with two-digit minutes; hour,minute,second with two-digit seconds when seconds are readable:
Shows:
10,22
